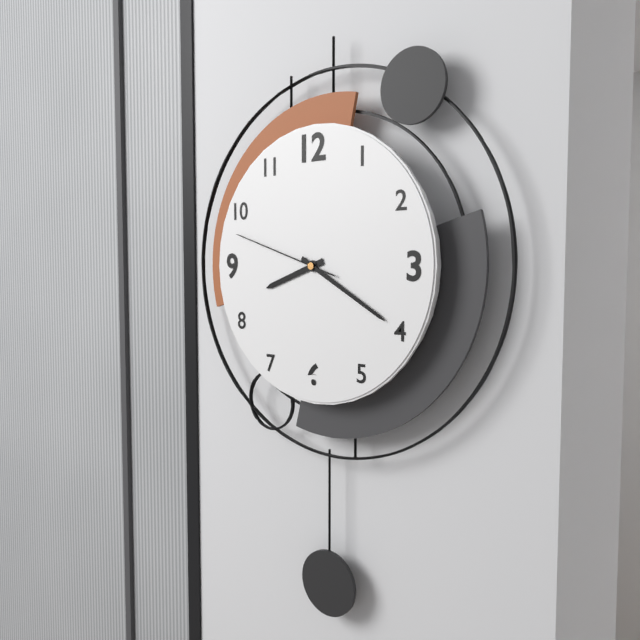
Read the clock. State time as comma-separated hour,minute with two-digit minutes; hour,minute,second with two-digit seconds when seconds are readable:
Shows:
8,20,48
